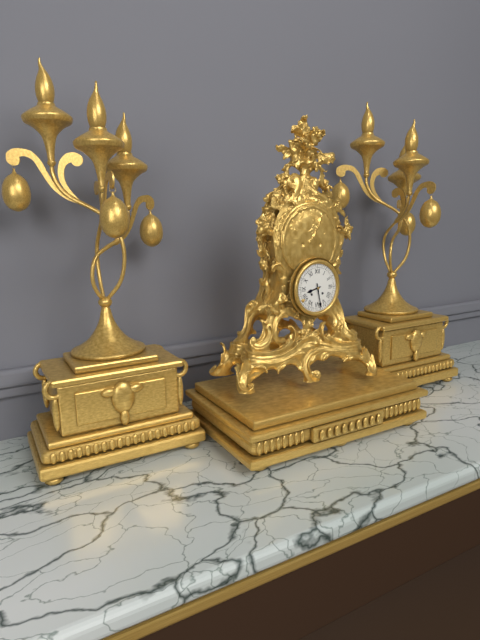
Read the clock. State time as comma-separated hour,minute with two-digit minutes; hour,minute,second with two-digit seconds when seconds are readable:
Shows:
8,28
